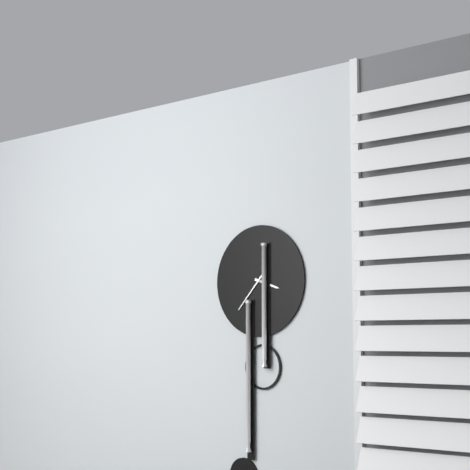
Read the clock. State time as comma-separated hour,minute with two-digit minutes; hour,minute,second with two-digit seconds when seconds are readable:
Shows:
3,37
